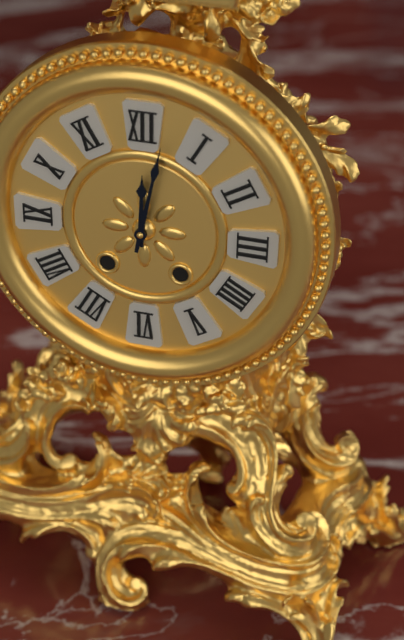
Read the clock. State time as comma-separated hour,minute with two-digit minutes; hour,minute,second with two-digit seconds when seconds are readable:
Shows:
12,02
